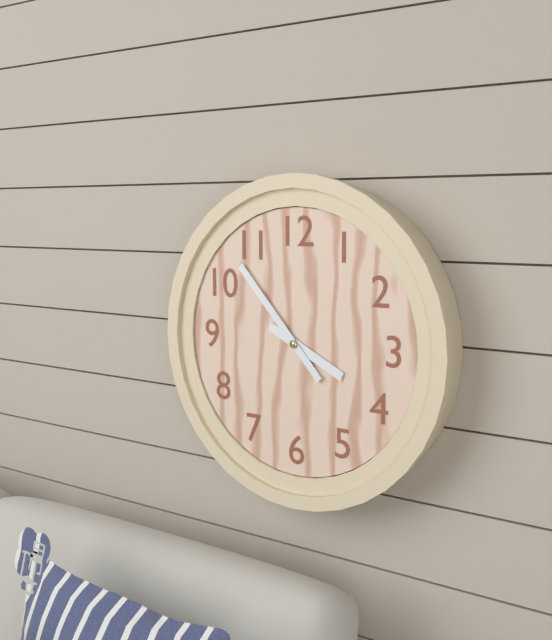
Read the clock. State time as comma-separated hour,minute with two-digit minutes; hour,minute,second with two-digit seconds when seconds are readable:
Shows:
3,53
